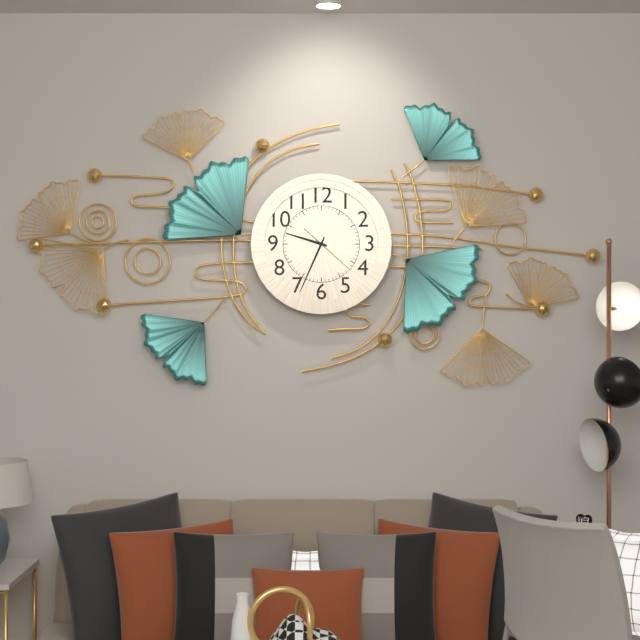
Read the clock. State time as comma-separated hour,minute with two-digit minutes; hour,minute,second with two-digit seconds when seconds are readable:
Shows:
9,34
